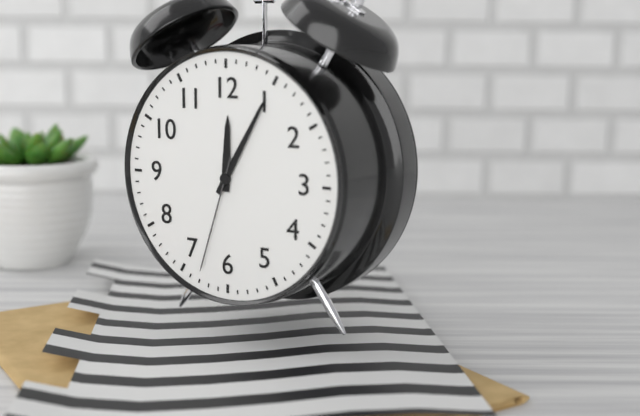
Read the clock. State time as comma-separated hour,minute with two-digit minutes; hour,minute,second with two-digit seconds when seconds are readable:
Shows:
12,05,33
